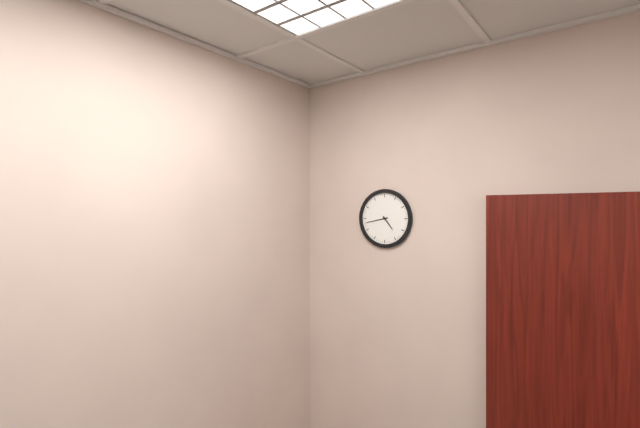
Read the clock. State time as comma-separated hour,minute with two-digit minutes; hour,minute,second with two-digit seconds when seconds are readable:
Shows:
4,43
